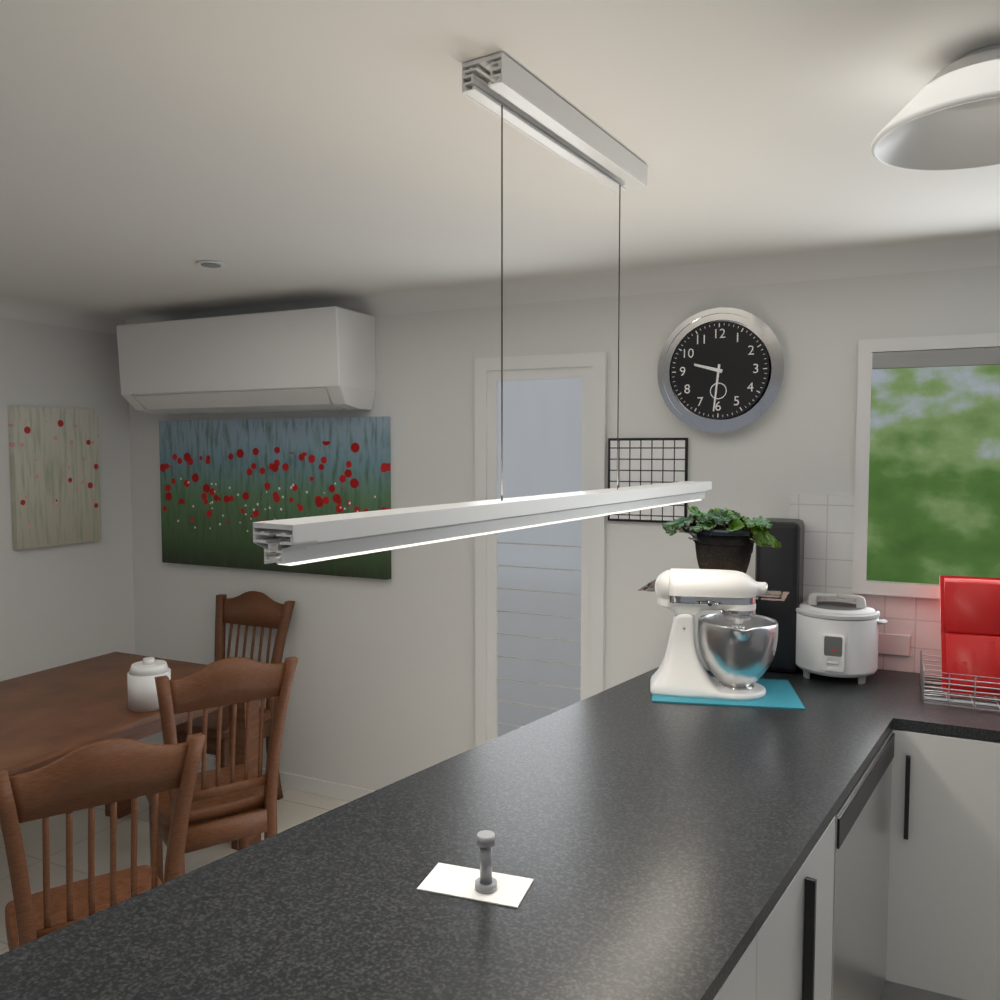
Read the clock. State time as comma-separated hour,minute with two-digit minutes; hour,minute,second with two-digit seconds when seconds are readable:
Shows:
9,31
